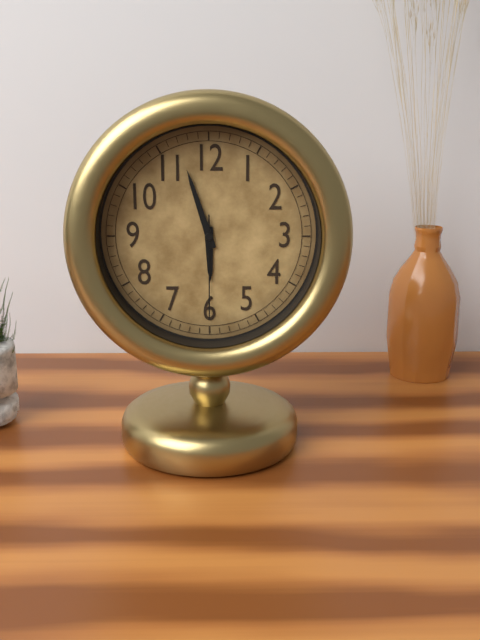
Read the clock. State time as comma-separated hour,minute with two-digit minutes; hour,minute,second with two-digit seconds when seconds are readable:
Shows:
5,57,30
